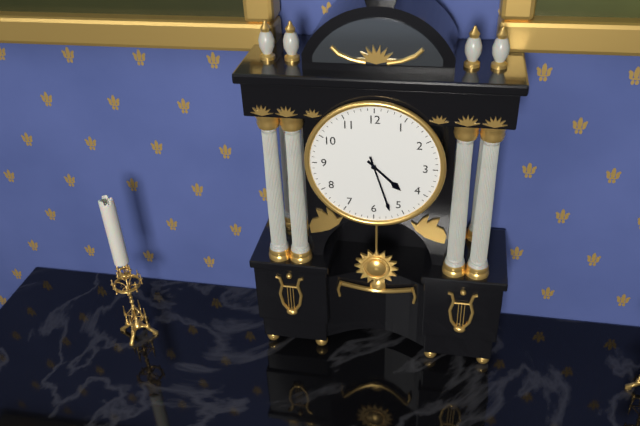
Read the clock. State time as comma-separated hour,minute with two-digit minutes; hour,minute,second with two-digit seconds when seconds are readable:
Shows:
4,27
